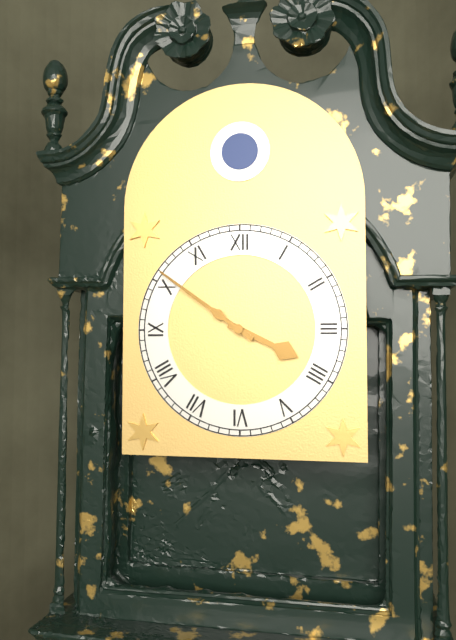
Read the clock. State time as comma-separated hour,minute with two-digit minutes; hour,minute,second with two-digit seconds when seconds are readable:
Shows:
3,51
